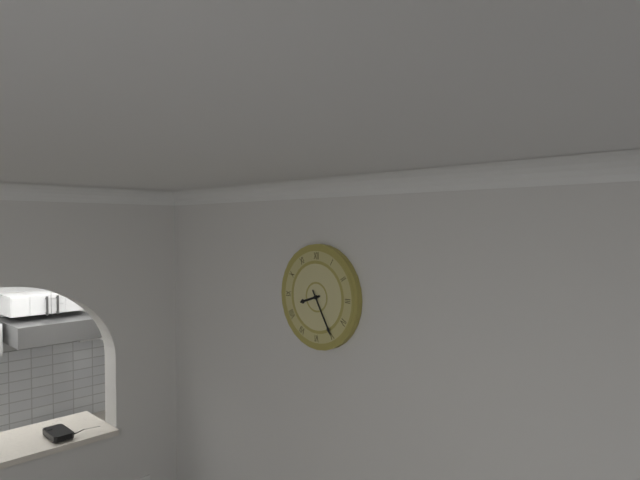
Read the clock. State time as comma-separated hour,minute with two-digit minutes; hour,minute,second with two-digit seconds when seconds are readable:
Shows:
8,25
